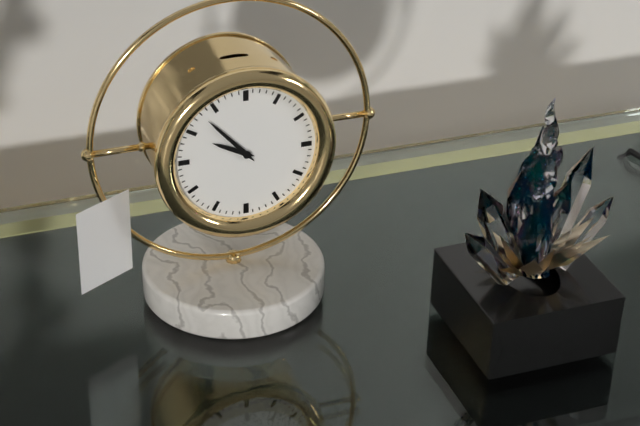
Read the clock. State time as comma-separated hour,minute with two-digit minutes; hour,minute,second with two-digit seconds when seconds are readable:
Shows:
9,53
